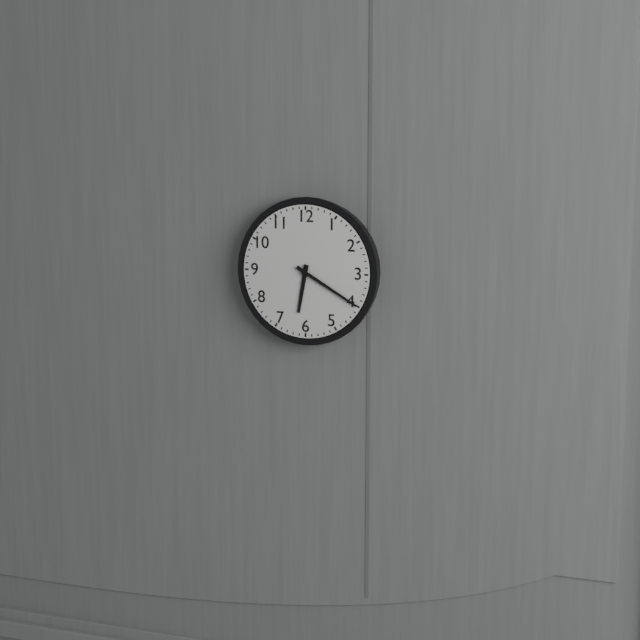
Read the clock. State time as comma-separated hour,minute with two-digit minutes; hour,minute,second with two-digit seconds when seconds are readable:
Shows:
6,20
